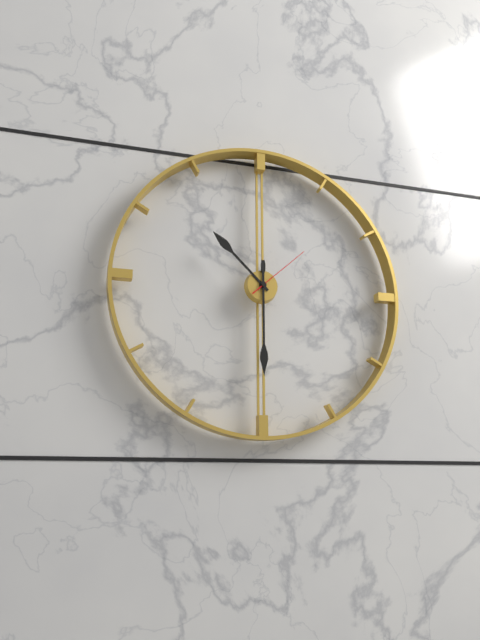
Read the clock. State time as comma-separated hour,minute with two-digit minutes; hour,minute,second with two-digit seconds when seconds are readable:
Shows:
10,30,08
